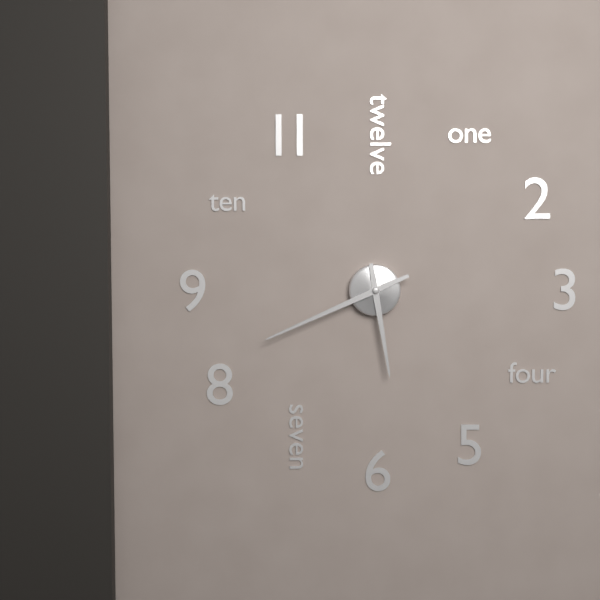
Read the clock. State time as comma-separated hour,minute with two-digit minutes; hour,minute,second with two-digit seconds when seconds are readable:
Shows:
5,41
